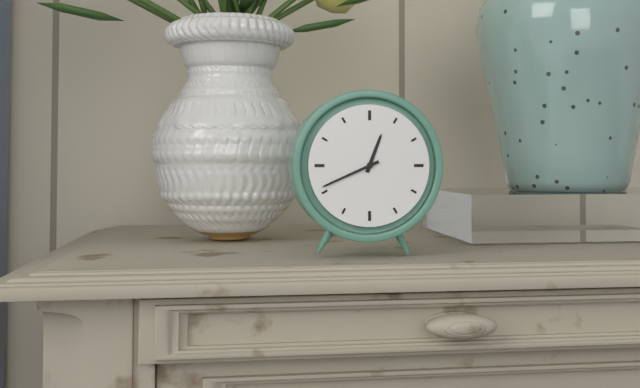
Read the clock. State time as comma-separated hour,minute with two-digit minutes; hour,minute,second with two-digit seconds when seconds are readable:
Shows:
12,41
